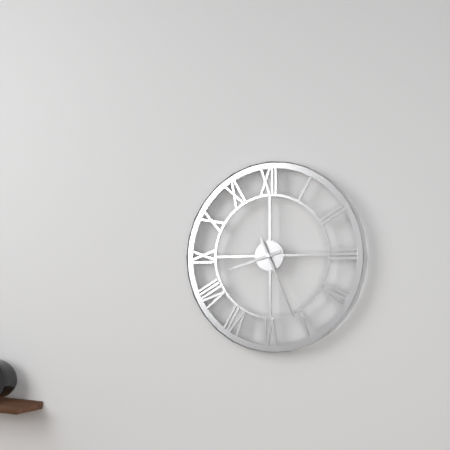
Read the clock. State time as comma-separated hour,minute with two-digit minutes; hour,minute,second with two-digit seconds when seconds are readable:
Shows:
8,26
